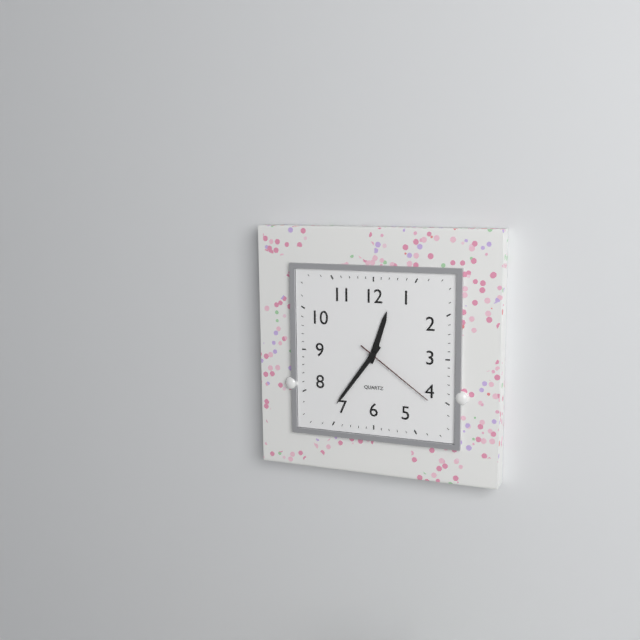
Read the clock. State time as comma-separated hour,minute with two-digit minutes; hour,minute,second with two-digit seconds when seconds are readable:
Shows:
12,36,21
